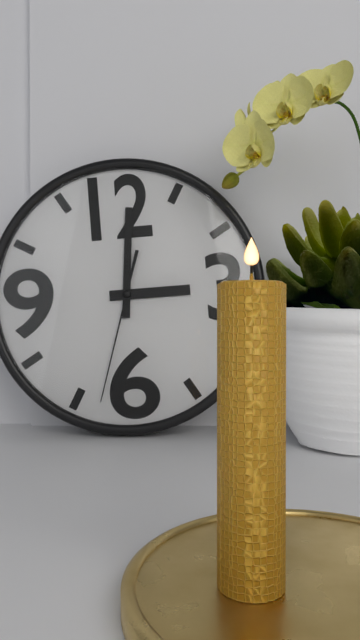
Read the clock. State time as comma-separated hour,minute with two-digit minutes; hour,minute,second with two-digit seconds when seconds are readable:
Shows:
3,01,33
